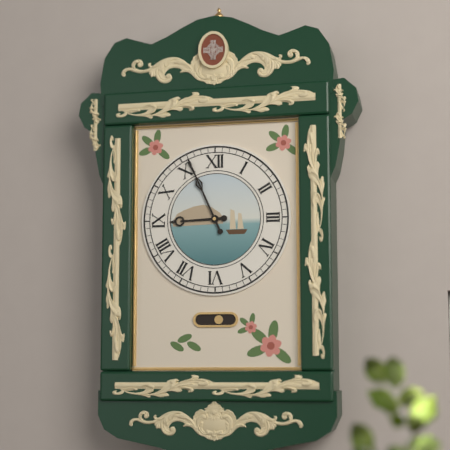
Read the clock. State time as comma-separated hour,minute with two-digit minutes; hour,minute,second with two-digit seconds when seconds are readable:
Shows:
8,56
